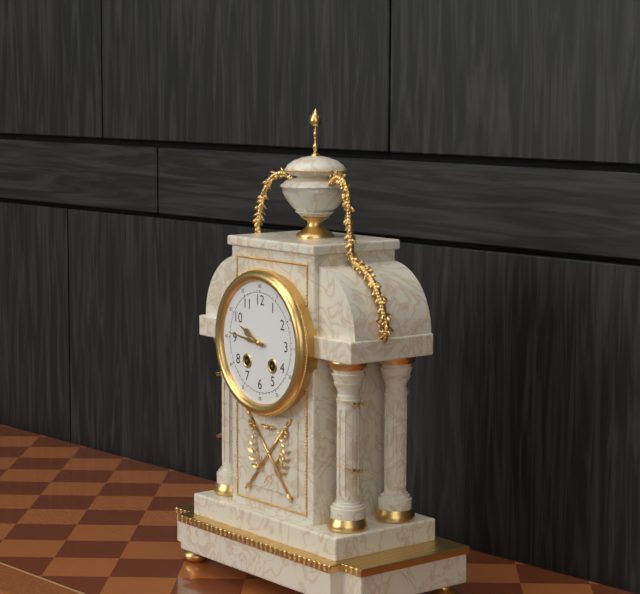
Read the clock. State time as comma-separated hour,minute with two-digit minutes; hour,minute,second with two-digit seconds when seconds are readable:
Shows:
9,46
